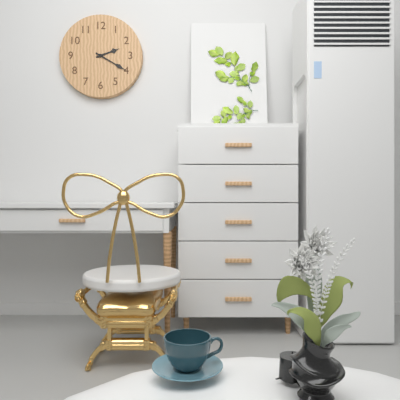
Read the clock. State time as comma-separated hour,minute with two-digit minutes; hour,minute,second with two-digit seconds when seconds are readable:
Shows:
2,20
